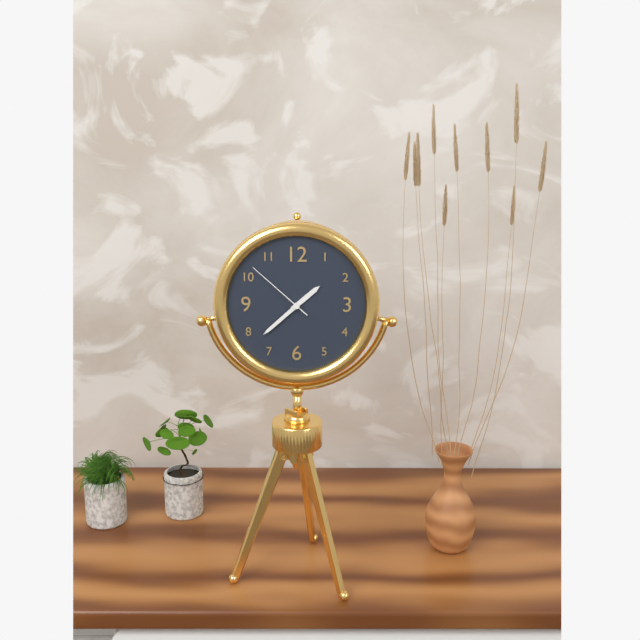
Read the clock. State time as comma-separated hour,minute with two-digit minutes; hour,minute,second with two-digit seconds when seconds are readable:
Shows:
1,38,52
